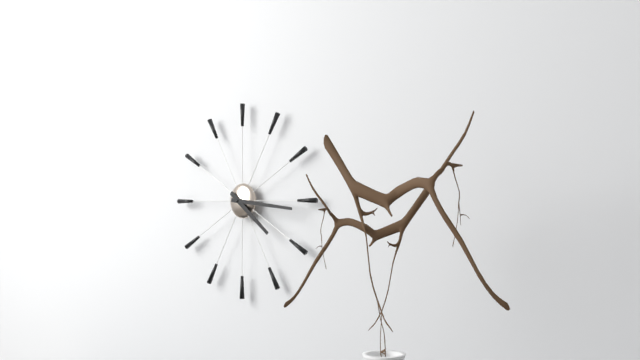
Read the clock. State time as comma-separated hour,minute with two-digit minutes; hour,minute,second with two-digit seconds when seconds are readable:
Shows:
4,16
